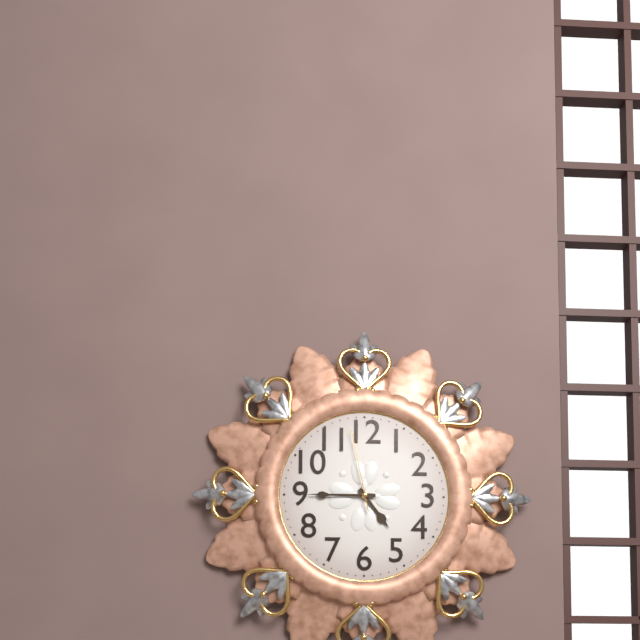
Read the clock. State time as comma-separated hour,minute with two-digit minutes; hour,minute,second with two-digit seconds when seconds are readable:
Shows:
4,45,58
